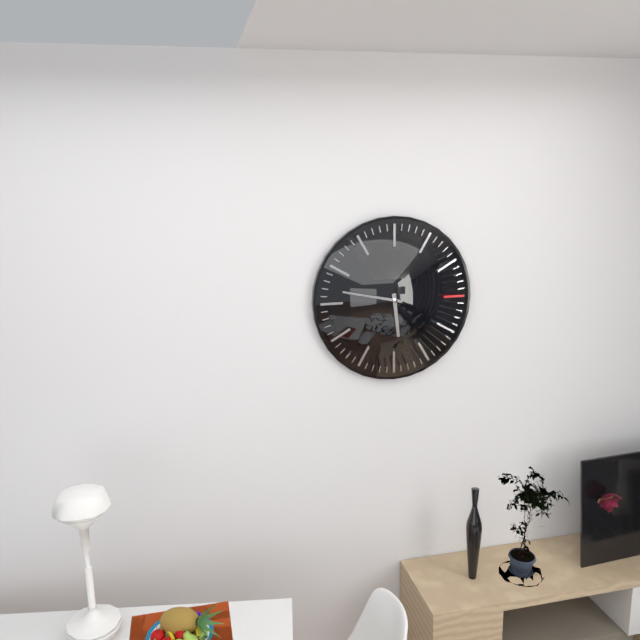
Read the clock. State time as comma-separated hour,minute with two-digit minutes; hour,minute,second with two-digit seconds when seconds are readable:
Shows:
5,47
